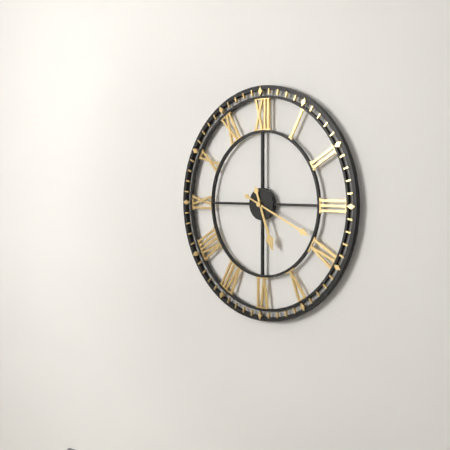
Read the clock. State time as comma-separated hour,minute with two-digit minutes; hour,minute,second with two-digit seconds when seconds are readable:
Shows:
5,19
